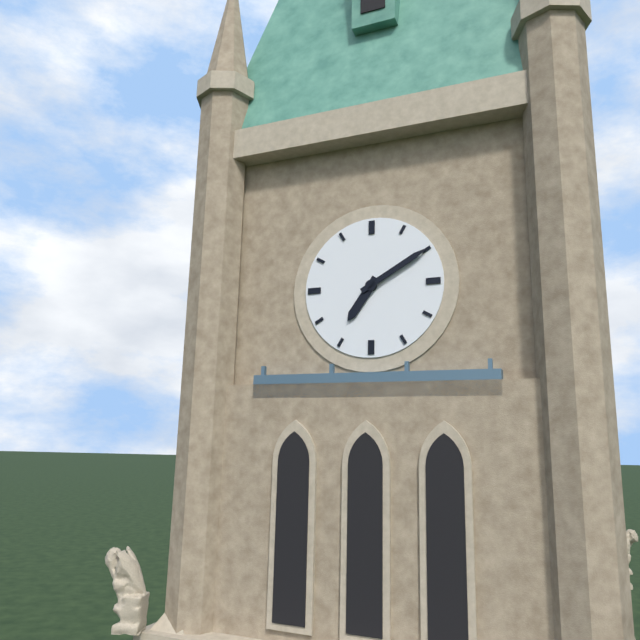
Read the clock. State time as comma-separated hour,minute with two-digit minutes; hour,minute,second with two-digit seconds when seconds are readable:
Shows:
7,10
